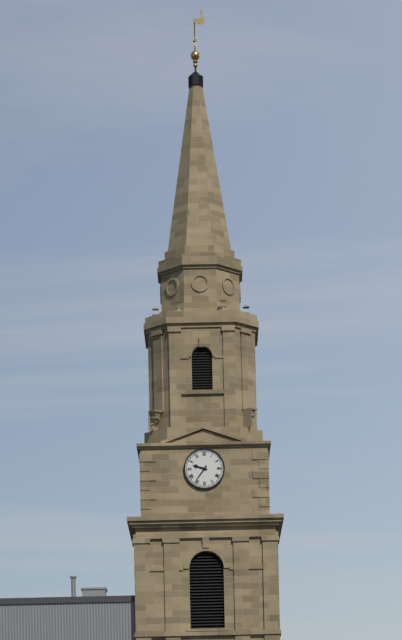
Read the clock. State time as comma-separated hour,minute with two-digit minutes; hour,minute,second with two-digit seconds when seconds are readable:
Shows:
9,36
